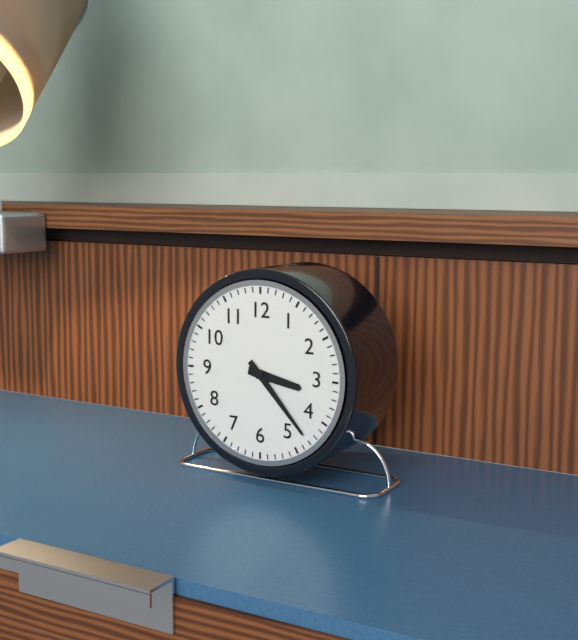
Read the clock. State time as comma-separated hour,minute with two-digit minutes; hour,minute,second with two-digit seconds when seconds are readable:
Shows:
3,23
